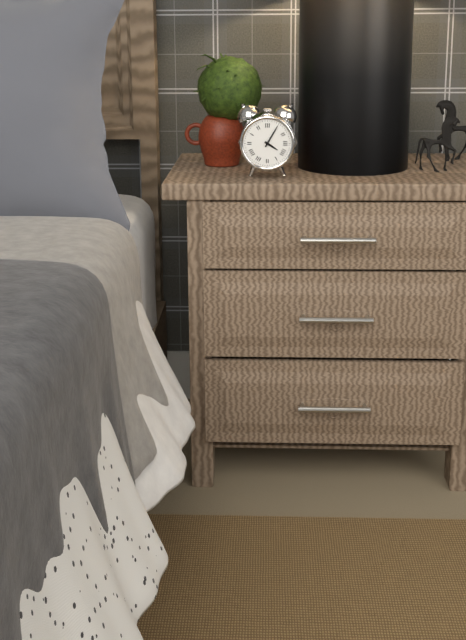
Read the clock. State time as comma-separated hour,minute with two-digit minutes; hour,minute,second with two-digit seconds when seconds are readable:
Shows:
4,05
